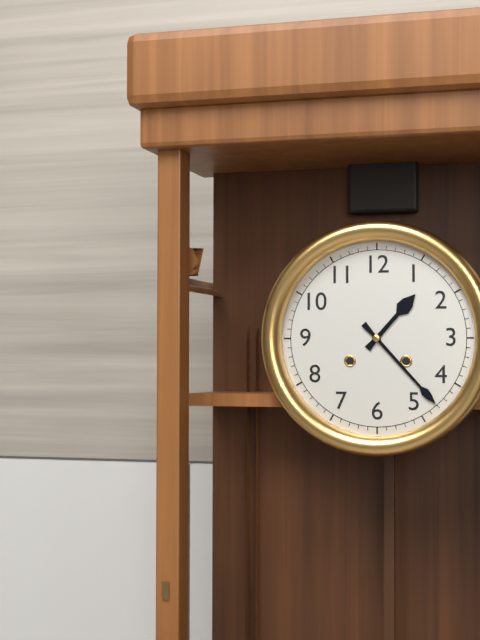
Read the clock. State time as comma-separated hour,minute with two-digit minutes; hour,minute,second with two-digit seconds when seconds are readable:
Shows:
1,23
